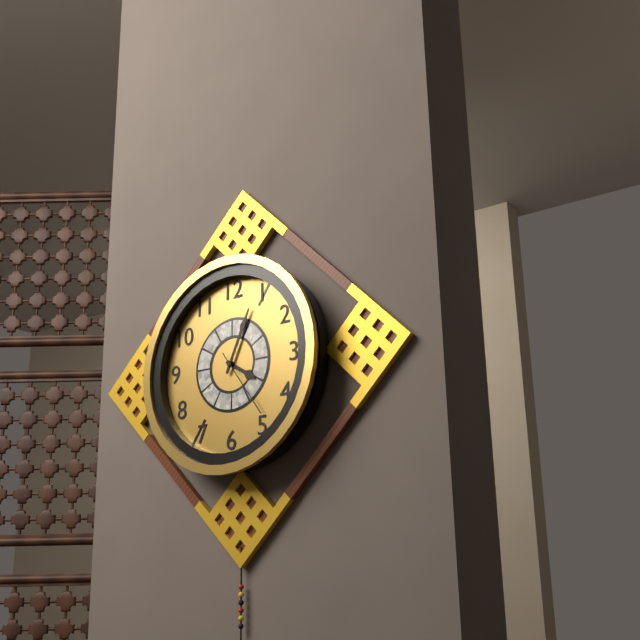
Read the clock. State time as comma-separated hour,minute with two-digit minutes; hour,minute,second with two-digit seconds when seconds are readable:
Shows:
4,04,24
